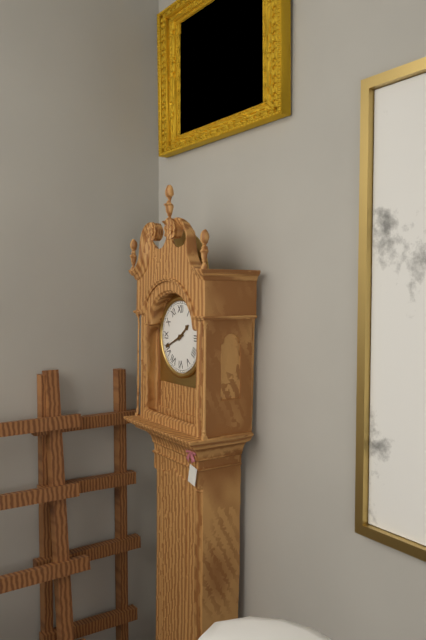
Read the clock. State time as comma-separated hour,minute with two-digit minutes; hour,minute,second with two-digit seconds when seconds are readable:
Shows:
1,41
